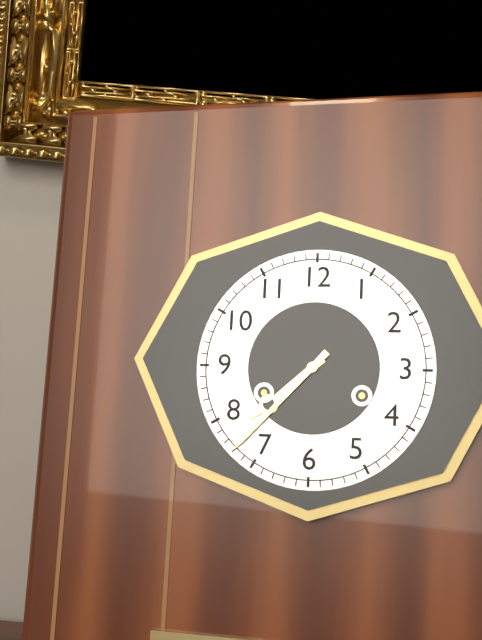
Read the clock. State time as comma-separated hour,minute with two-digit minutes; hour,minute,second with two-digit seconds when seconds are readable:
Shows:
7,37
